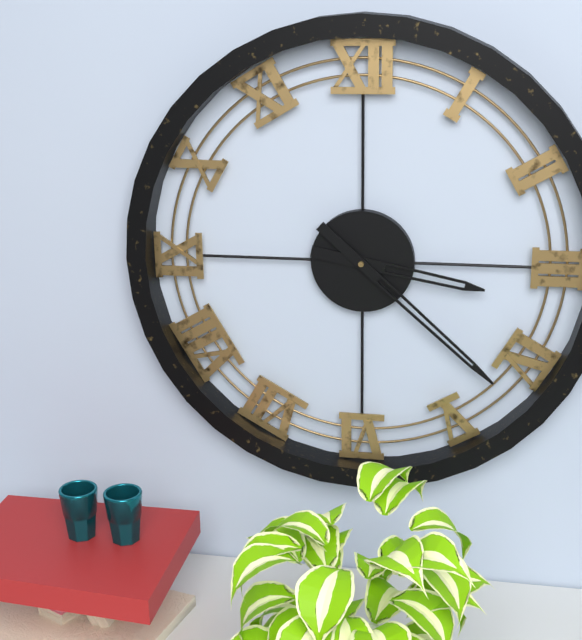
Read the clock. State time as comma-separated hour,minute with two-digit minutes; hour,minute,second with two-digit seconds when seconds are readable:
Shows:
3,22
